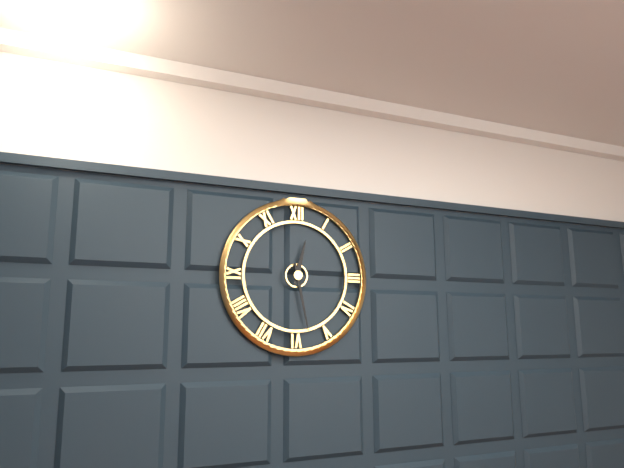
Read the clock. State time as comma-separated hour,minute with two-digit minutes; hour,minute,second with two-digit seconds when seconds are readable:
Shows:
12,28
